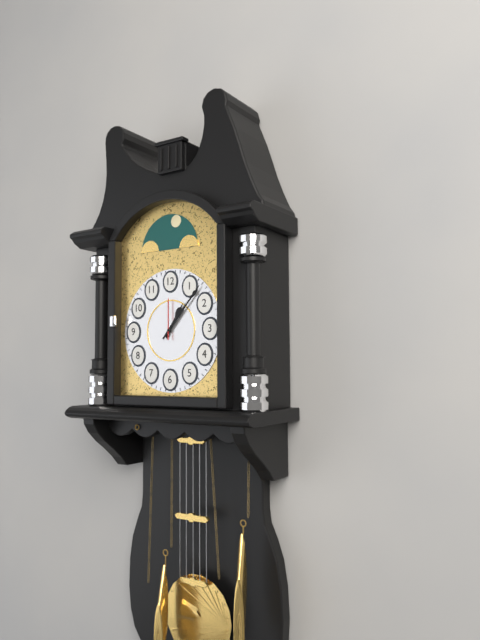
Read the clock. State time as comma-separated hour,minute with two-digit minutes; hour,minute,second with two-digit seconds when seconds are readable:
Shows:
1,07
